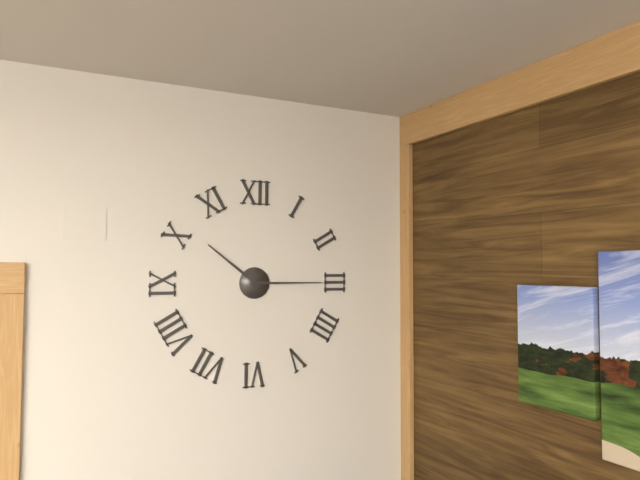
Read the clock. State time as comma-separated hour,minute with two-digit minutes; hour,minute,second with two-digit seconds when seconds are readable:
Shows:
10,15
